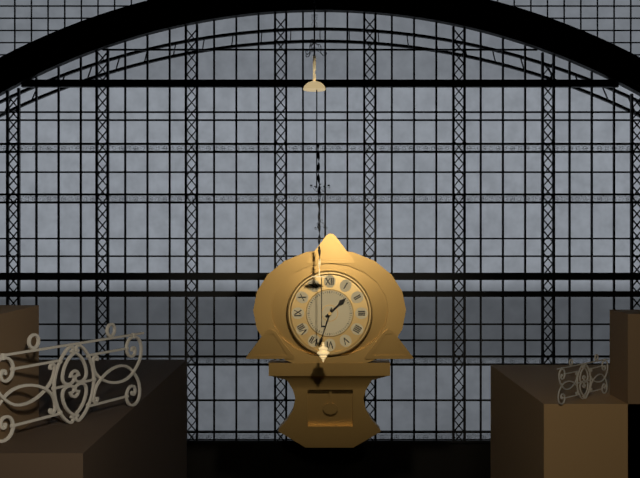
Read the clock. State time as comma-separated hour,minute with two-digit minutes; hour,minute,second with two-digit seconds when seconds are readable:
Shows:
1,33
